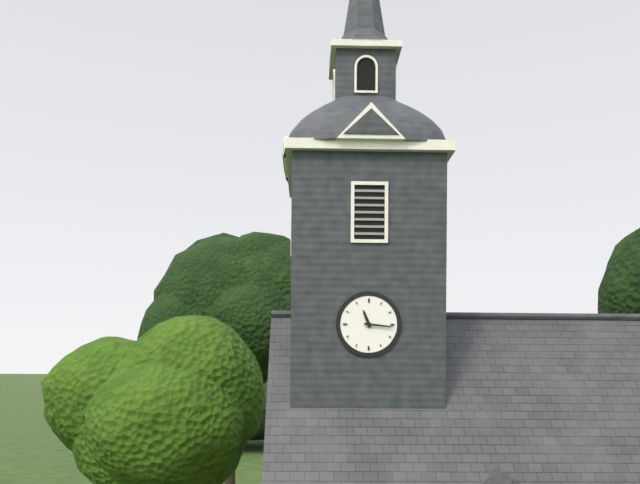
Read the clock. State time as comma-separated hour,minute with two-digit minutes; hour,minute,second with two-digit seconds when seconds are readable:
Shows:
11,16
